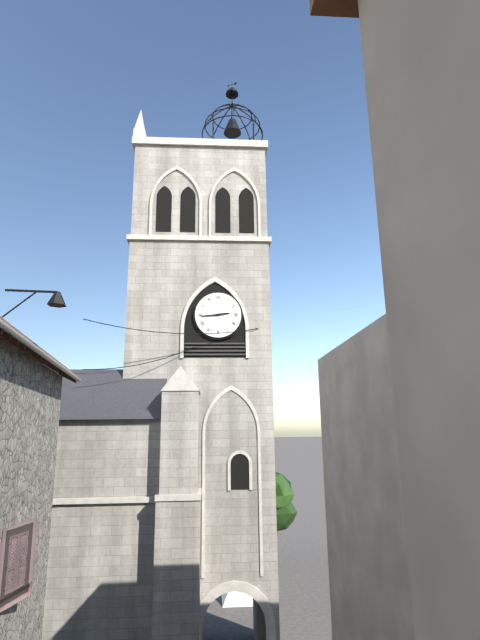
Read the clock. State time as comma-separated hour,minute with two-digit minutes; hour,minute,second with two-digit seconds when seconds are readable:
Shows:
2,44
